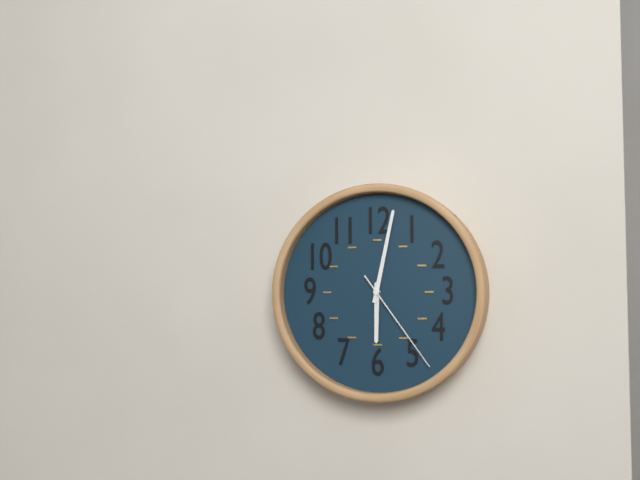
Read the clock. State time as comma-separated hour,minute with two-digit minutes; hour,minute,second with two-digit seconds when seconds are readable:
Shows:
6,02,24
